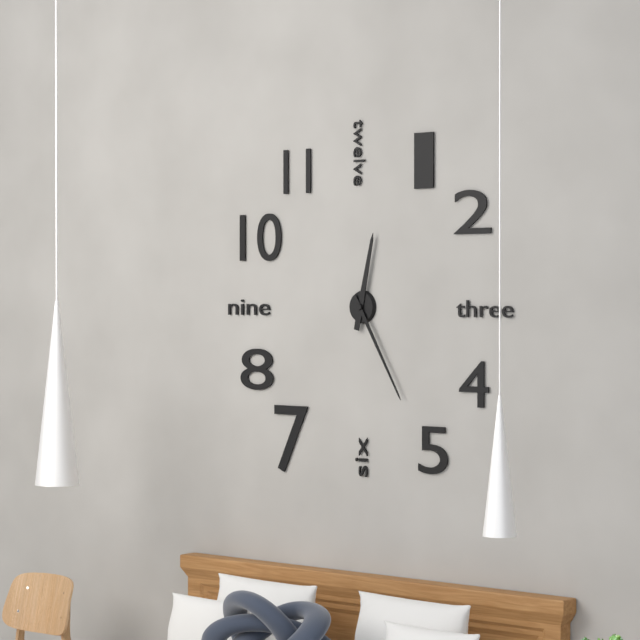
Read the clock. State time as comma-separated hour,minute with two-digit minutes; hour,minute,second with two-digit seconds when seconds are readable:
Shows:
12,25
